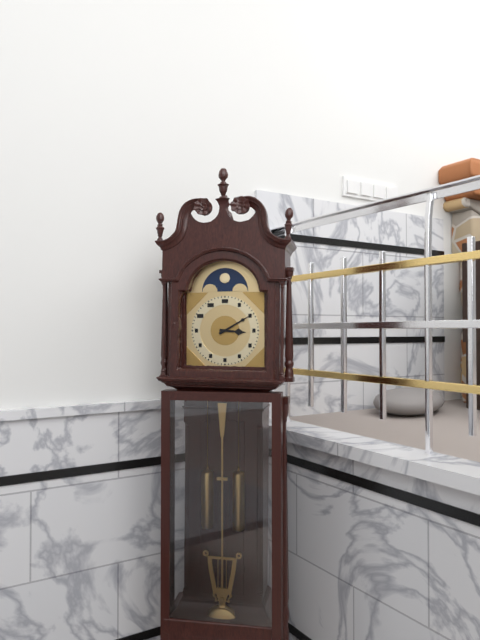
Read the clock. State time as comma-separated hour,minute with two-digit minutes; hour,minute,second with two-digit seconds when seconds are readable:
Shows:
3,10
